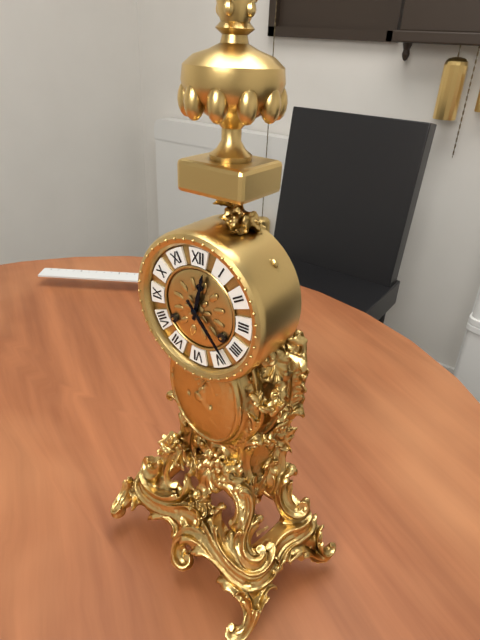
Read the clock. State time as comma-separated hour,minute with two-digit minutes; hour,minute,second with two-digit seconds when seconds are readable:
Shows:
12,23
